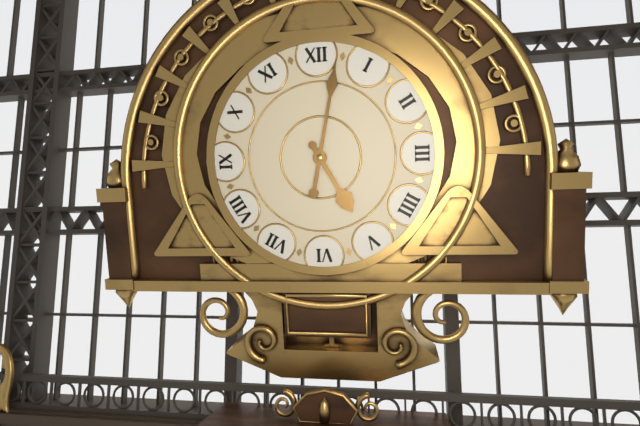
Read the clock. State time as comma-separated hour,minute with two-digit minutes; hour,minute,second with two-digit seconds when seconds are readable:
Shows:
5,02
